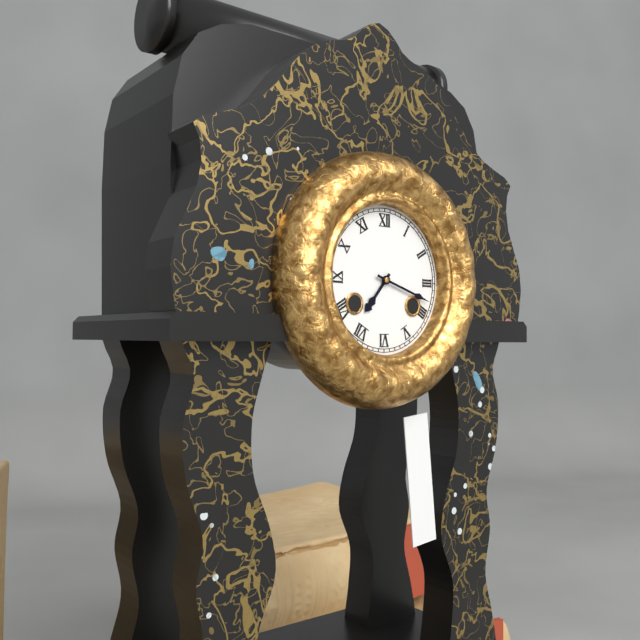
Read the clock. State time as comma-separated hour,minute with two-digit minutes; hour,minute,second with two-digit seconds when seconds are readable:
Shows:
7,18
